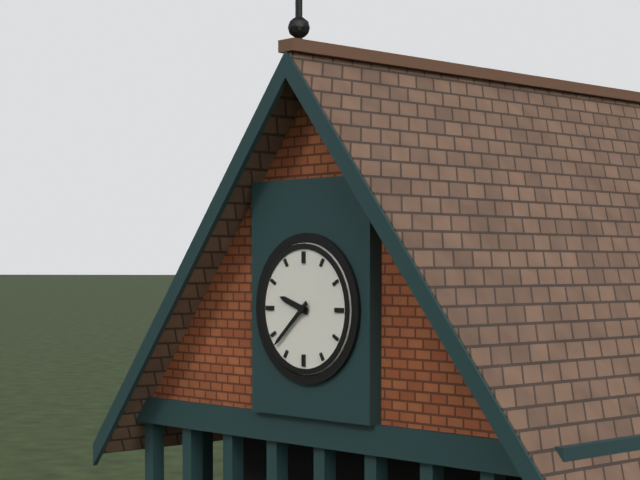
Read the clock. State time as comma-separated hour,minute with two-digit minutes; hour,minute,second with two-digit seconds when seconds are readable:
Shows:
9,38
